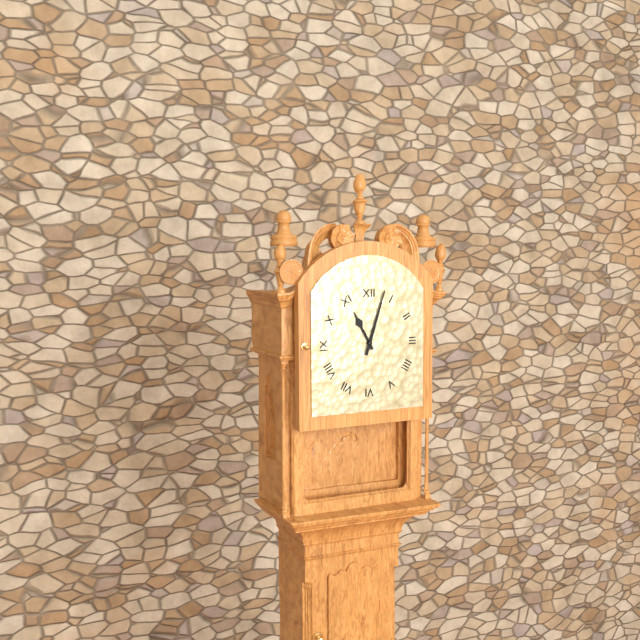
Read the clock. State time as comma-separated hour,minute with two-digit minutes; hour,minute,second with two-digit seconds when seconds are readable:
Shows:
11,03
